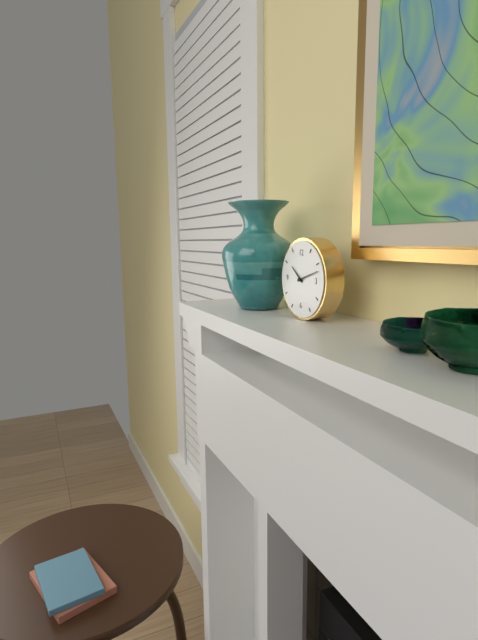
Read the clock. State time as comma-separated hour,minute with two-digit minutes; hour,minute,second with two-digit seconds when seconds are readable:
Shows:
10,12
